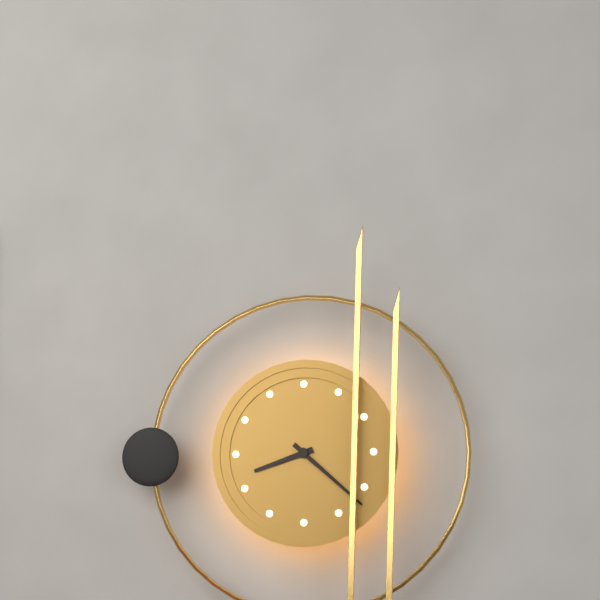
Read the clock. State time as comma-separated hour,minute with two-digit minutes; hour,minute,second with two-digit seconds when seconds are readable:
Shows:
8,22
